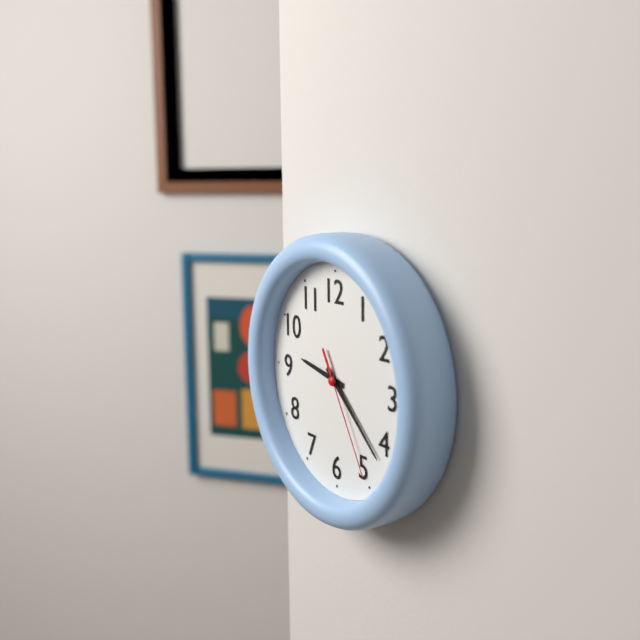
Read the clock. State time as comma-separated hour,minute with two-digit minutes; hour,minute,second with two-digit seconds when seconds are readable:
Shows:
9,22,25
